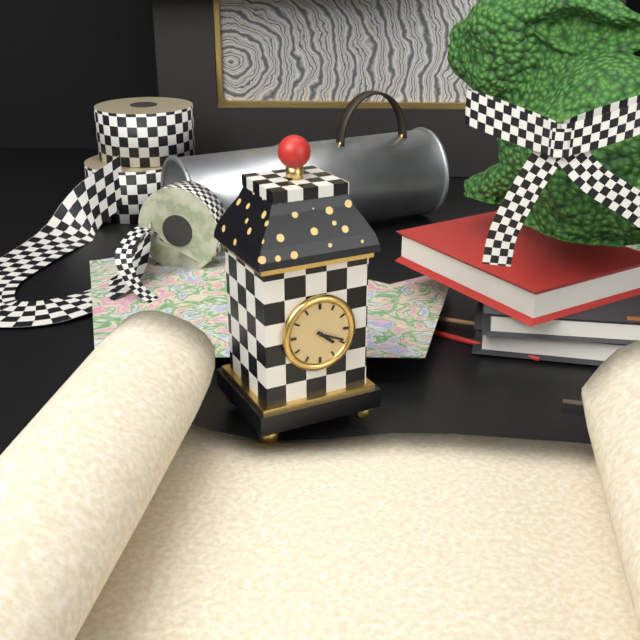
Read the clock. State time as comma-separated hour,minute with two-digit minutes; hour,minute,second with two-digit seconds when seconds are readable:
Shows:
4,19
